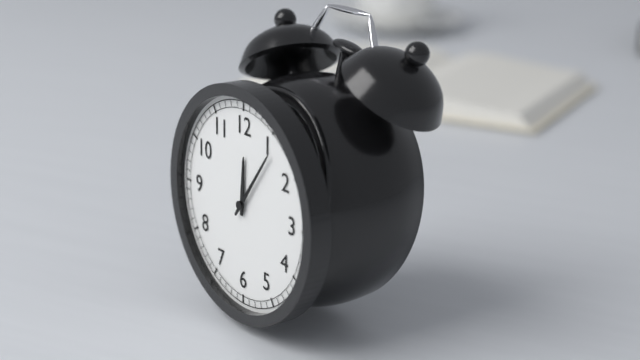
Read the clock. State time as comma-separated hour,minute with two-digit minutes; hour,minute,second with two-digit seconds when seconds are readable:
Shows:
12,06
